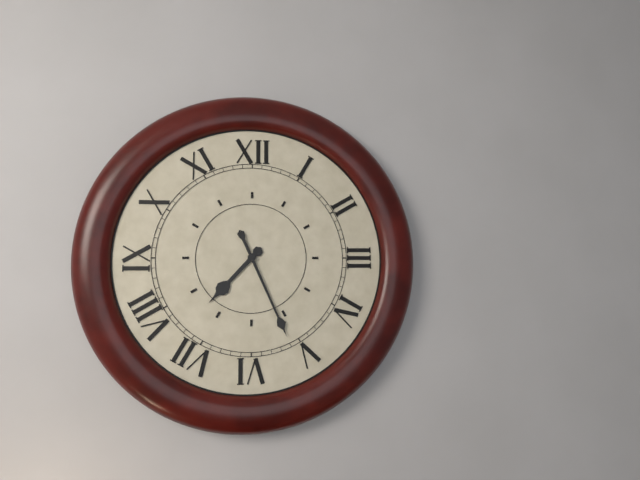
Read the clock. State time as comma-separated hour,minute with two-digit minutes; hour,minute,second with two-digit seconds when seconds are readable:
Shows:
7,26
